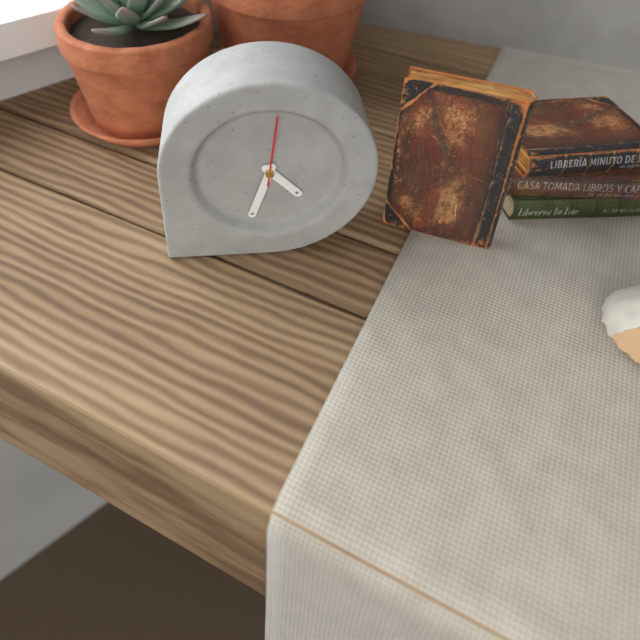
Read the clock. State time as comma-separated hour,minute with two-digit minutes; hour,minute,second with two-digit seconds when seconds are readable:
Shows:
4,33
